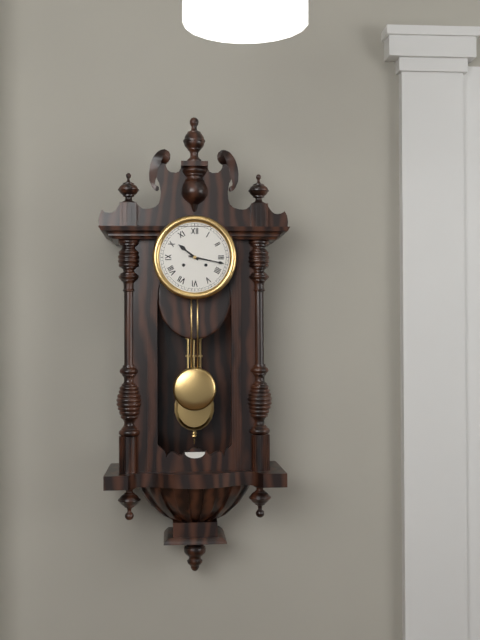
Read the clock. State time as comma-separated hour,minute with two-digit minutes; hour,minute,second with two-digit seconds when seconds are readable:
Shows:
10,17
